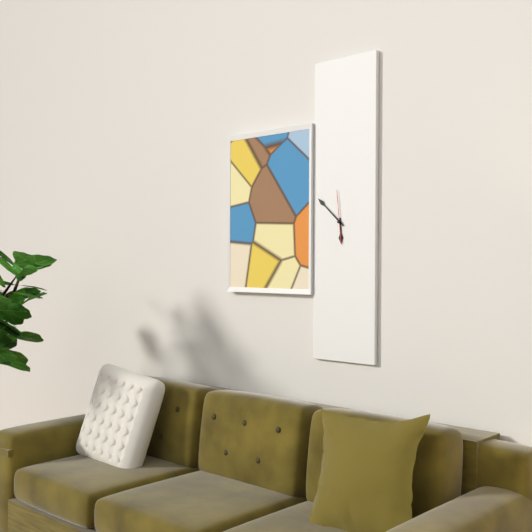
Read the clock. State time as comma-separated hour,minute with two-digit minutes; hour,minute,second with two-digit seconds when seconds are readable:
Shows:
5,52
